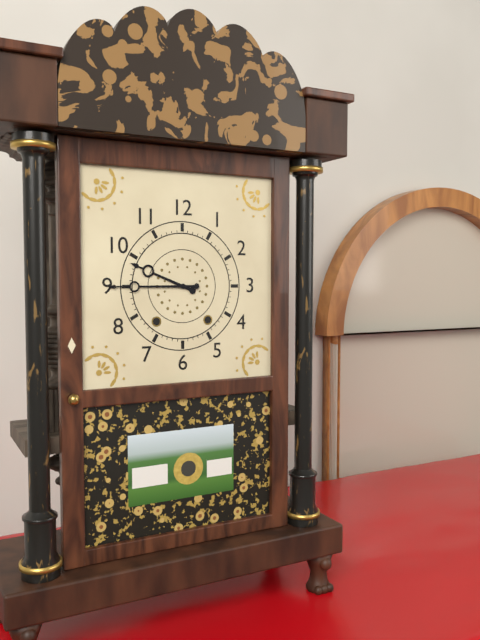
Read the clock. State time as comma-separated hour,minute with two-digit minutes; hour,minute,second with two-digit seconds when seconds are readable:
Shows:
9,45
